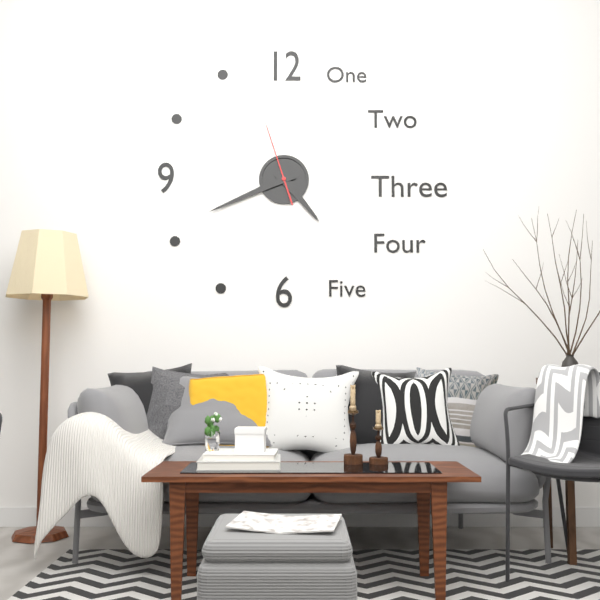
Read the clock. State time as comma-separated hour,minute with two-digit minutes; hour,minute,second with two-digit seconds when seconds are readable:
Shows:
4,41,57
